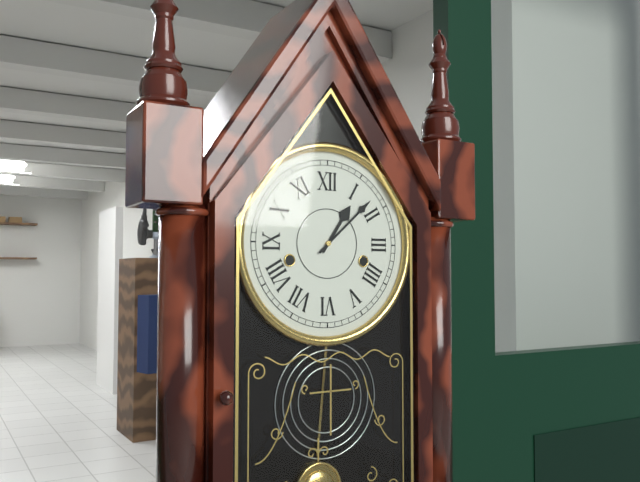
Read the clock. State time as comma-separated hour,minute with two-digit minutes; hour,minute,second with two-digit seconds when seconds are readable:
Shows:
1,08
